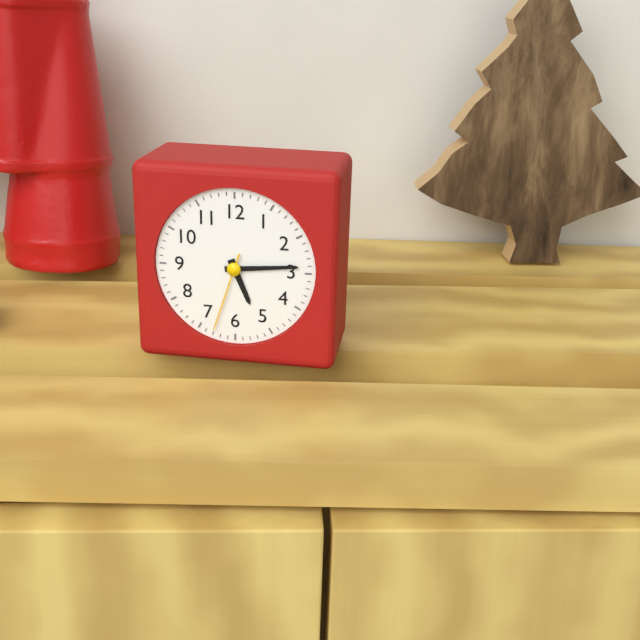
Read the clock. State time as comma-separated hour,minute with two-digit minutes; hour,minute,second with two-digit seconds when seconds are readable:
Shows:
5,14,33
